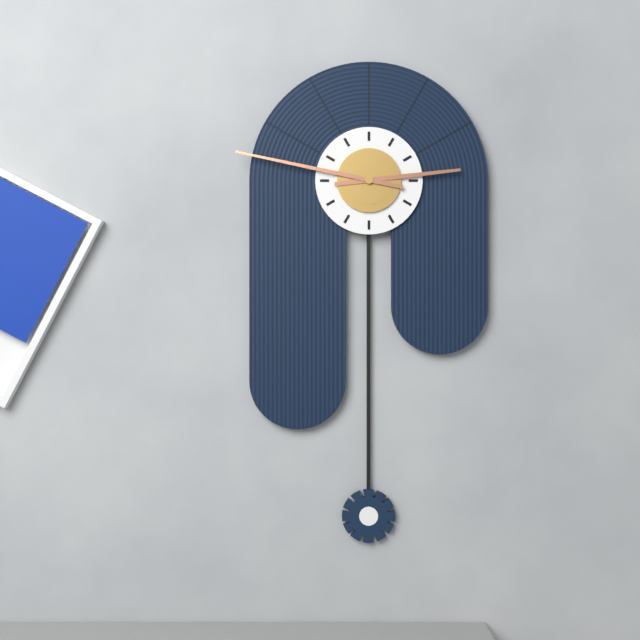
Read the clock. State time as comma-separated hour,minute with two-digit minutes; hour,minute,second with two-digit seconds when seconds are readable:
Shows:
2,47
